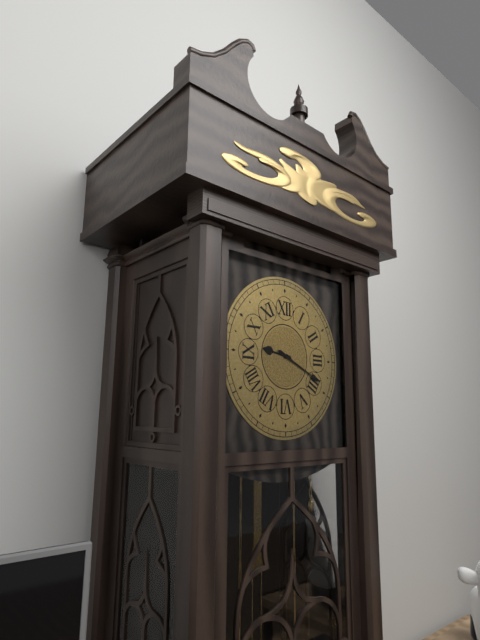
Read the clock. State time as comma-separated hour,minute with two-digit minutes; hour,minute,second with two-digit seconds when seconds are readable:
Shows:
9,19
